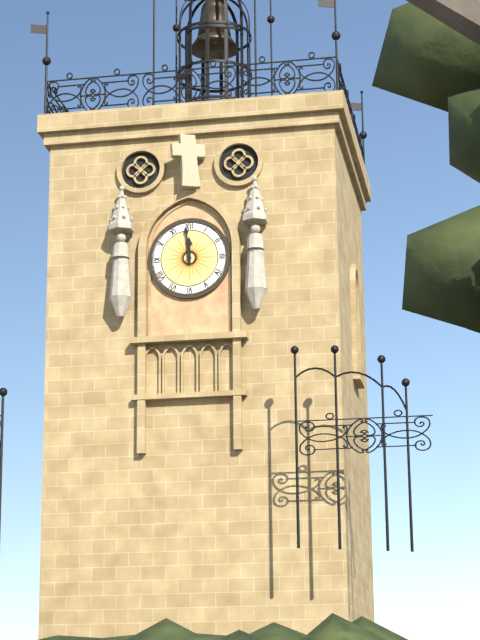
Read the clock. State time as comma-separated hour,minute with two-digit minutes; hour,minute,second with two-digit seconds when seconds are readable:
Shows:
11,59
